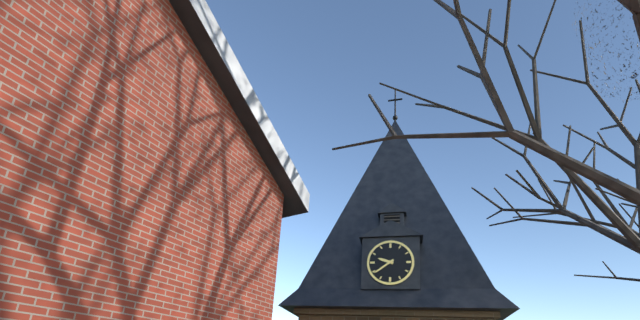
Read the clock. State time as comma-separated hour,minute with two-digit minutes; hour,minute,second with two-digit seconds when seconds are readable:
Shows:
9,39
